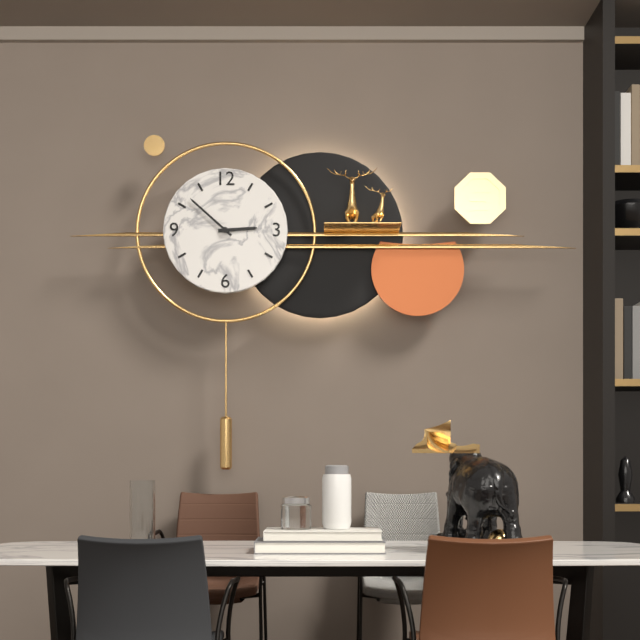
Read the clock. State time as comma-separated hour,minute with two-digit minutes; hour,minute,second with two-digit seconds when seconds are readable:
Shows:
2,52
